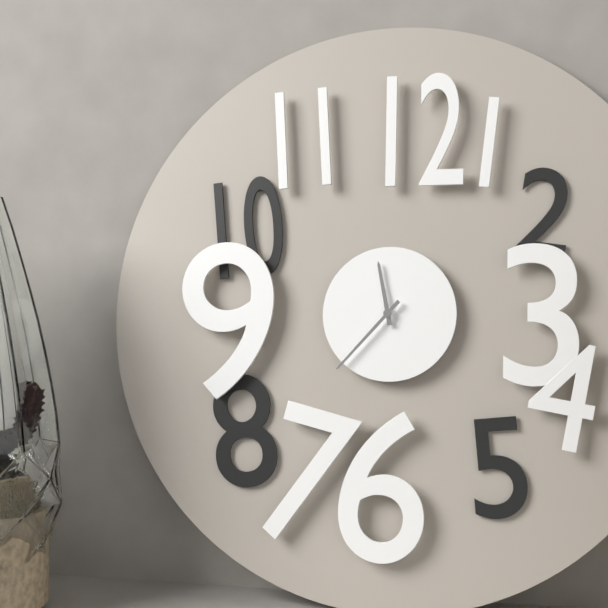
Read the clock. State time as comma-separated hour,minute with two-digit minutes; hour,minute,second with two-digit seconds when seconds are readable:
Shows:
11,37
